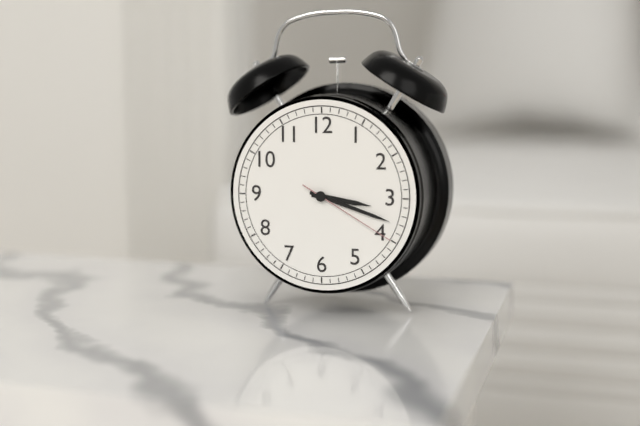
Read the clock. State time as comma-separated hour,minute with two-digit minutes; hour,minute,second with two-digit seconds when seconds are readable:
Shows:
3,18,20
